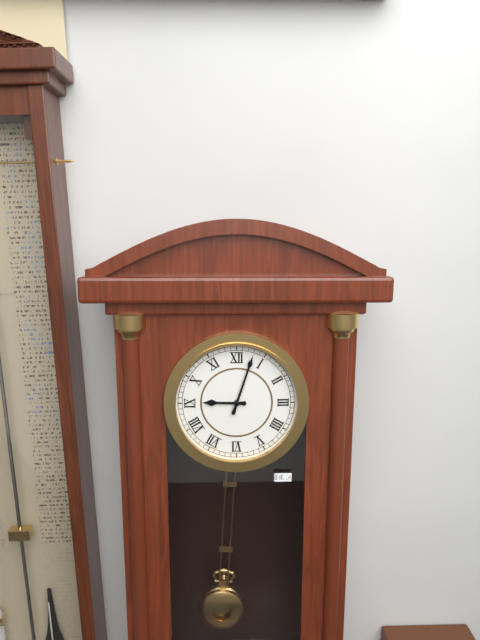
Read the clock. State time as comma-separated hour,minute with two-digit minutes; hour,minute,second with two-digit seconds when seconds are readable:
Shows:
9,03
